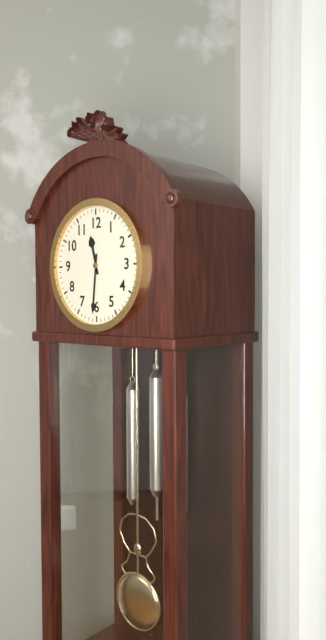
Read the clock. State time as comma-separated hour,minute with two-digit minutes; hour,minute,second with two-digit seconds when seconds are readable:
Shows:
11,31
